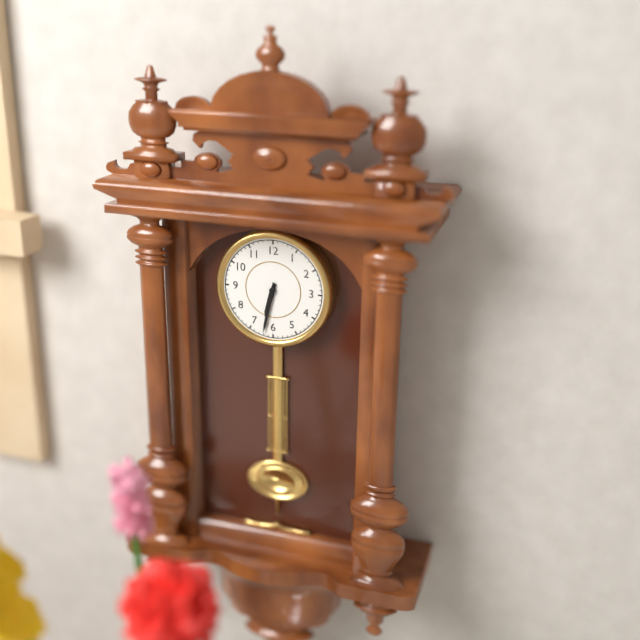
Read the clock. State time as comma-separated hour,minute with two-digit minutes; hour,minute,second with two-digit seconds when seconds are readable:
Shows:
6,32
